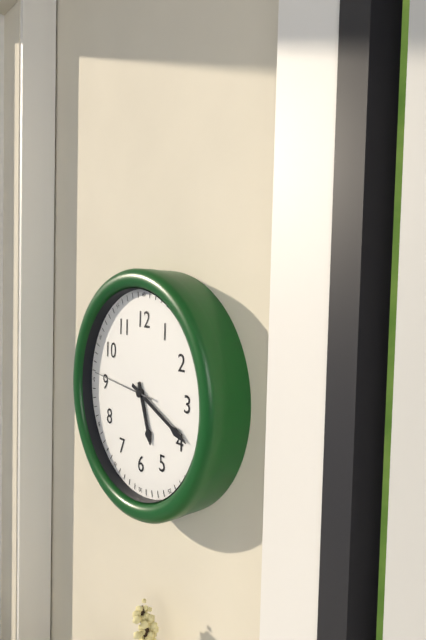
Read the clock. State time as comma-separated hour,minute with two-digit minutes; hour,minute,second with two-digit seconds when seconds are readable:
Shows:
5,19,46
